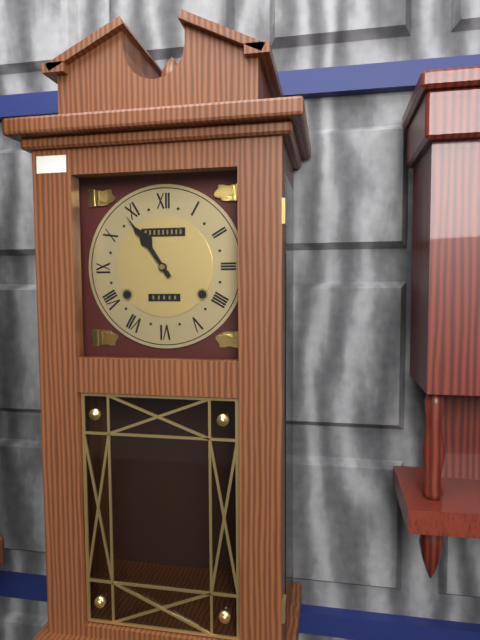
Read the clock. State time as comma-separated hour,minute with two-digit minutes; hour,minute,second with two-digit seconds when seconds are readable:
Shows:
10,54
